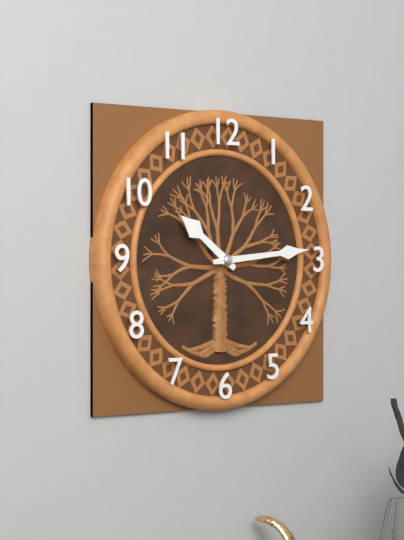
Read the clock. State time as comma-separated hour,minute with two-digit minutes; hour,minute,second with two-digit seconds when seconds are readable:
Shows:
10,14
